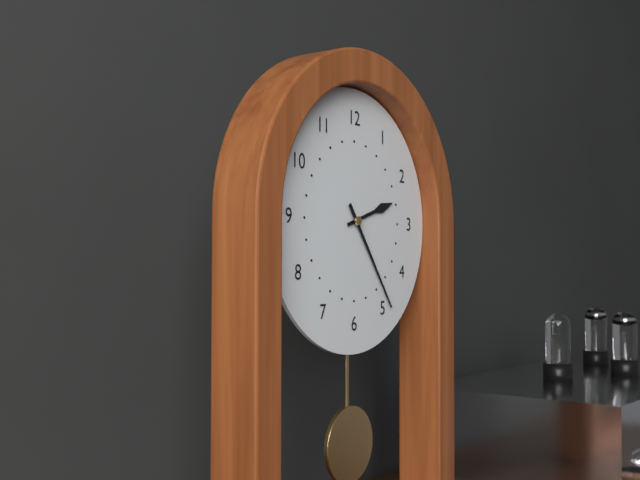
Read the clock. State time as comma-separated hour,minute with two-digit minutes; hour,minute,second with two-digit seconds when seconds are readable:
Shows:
2,24
